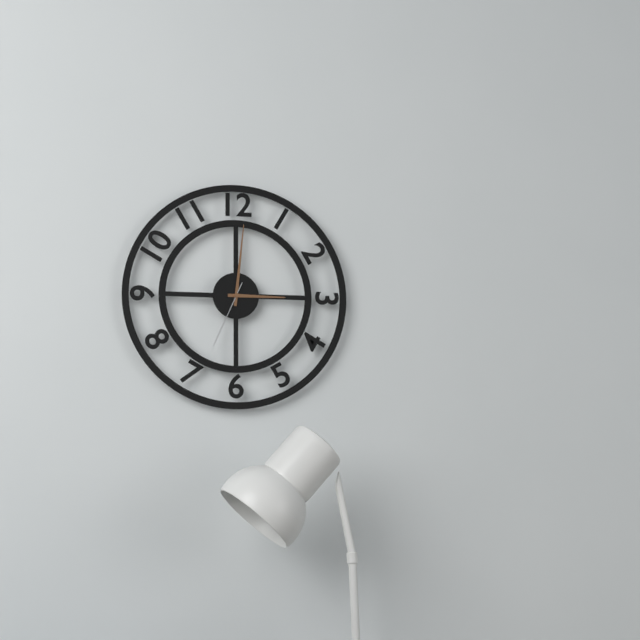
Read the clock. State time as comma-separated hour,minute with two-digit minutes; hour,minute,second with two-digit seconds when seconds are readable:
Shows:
3,01,34
